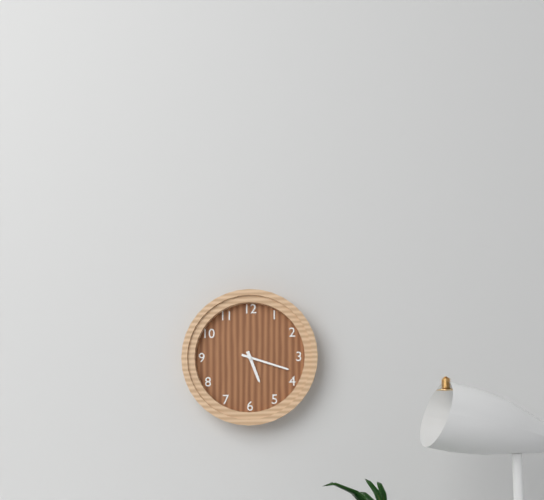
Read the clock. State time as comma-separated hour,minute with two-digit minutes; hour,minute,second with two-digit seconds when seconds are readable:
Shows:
5,18
